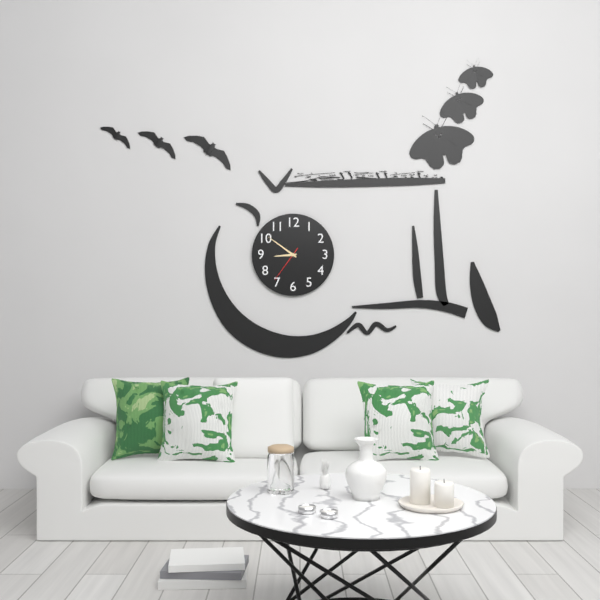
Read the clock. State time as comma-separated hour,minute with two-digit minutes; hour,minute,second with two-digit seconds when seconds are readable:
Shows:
8,51
